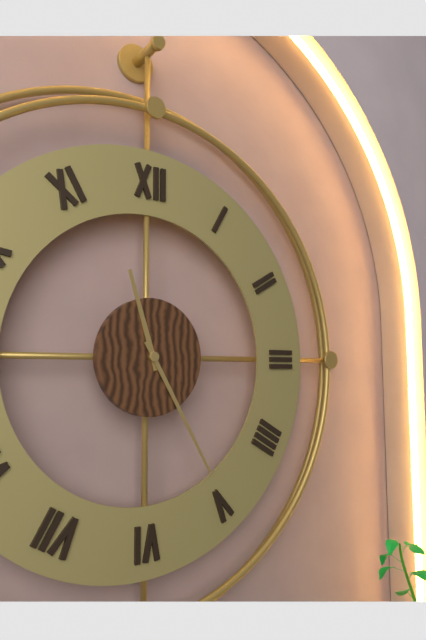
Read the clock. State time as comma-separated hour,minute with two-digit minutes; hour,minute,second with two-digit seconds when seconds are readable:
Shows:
11,25
